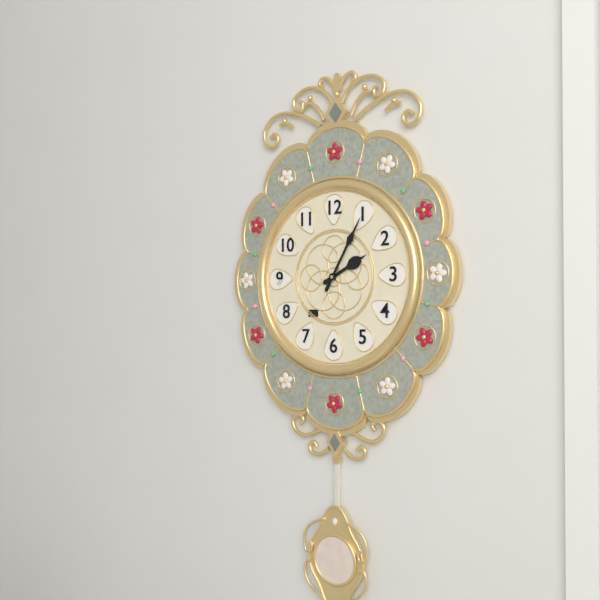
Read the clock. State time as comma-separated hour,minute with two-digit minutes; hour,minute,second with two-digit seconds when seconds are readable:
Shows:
2,05
